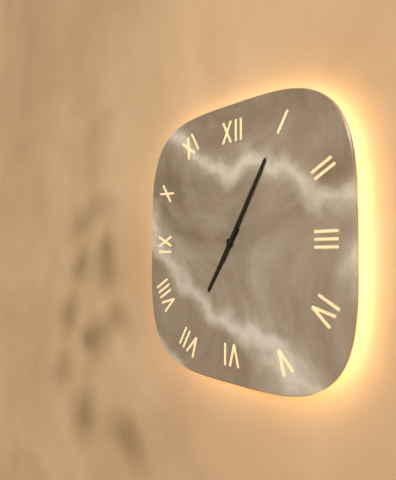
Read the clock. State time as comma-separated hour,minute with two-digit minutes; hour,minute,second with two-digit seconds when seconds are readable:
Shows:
7,05
